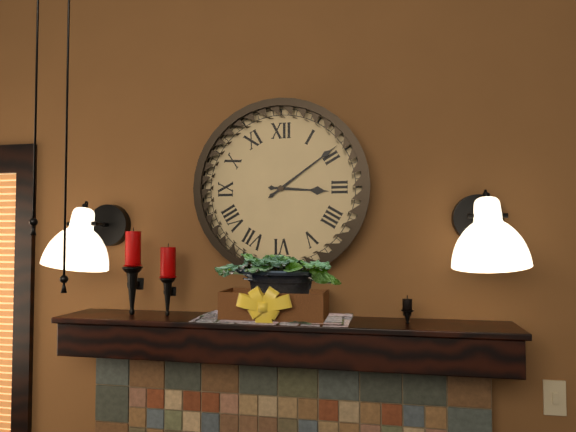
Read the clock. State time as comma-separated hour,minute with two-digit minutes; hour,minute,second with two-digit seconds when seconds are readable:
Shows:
3,09
